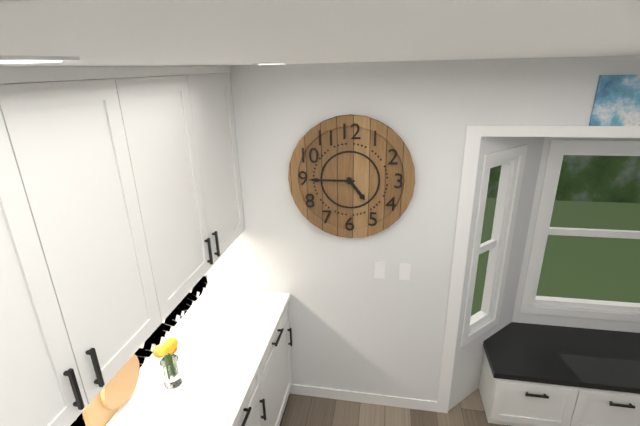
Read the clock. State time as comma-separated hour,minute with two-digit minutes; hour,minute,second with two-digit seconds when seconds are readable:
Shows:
4,45
